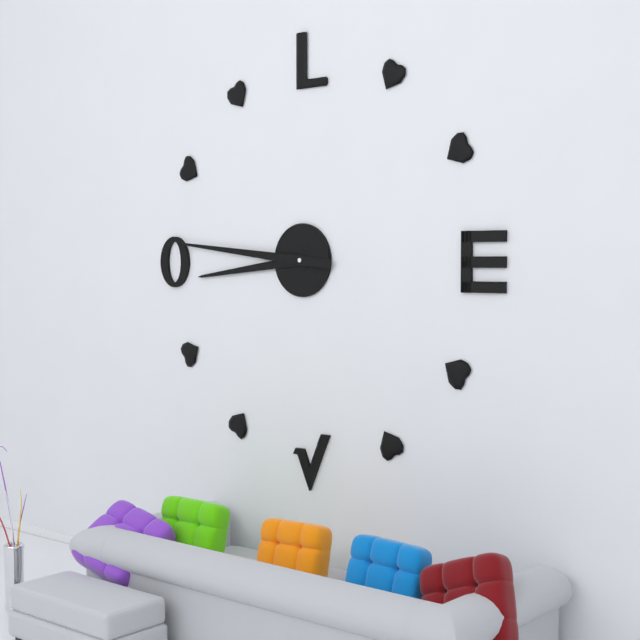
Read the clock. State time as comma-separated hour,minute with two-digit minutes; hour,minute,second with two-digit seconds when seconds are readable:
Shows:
8,46
